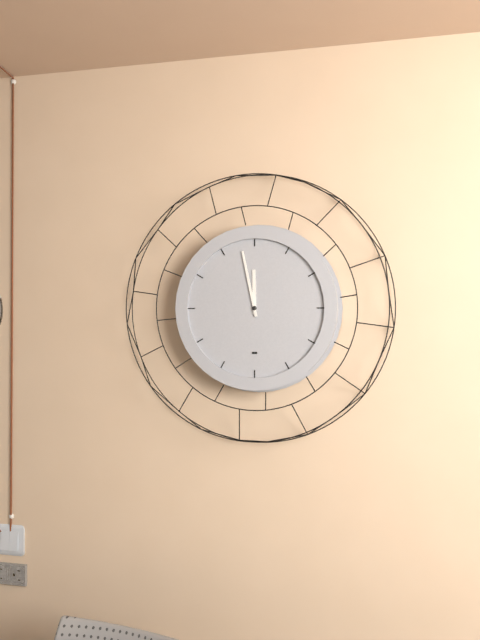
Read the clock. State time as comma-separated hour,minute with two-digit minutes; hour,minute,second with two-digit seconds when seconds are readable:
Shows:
11,58
